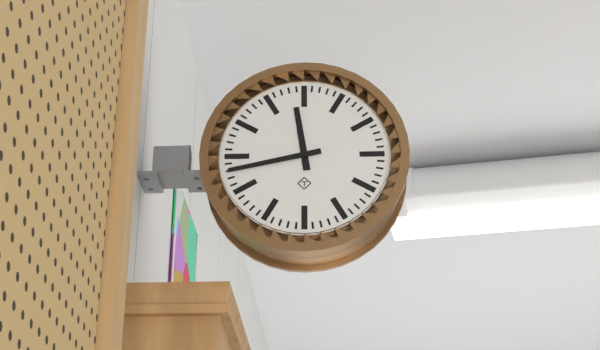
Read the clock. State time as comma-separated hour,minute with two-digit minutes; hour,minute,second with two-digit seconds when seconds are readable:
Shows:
11,43
